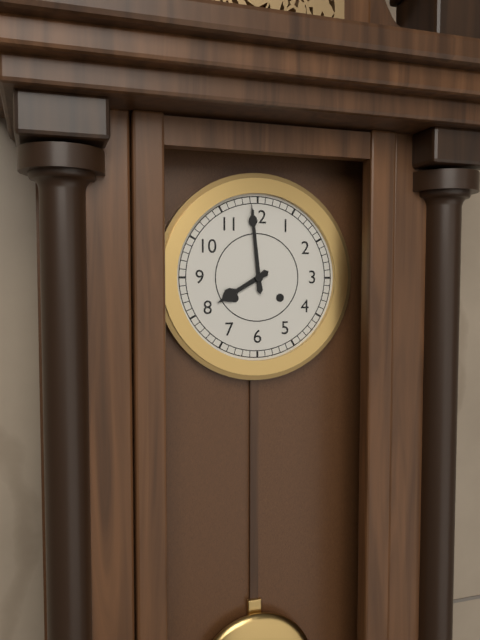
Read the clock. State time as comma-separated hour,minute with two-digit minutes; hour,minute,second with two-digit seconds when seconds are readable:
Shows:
7,59
